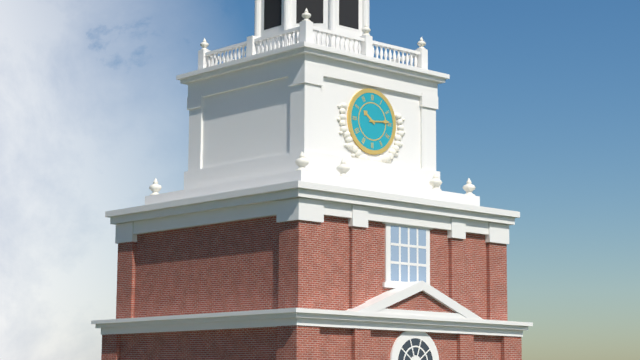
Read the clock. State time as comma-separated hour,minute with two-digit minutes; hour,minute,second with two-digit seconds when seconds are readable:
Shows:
10,14
